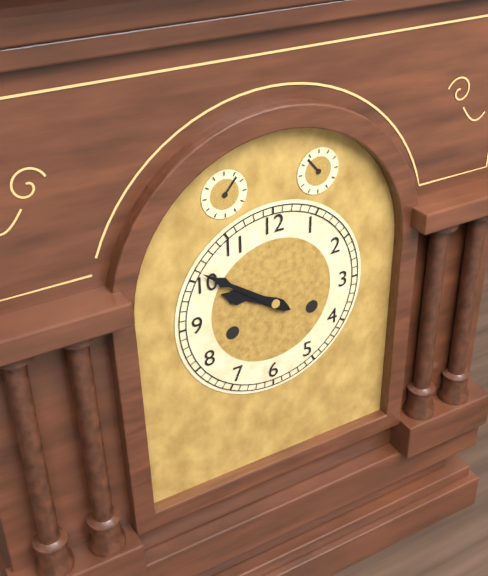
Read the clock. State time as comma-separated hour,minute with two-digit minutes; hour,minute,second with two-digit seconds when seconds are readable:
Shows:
9,51
